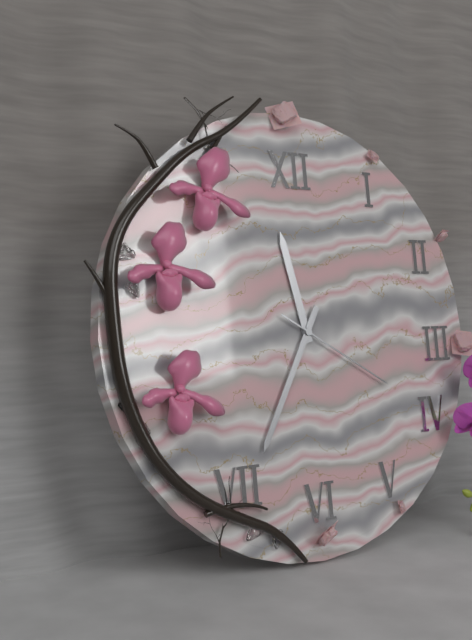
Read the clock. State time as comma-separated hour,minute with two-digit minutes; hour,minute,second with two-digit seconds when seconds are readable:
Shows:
11,35,20
